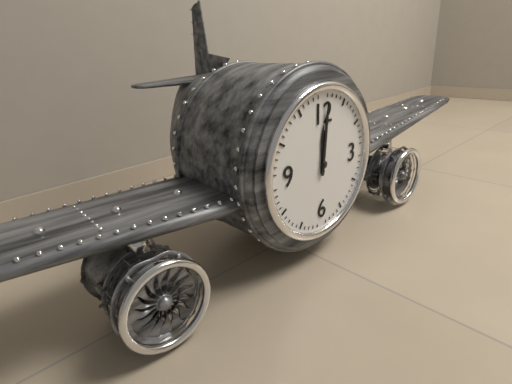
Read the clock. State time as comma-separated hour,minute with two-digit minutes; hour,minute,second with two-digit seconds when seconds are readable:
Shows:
12,01
